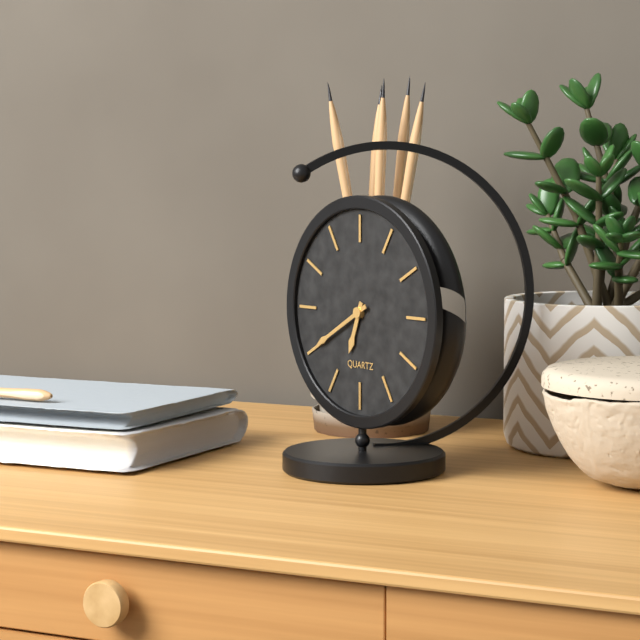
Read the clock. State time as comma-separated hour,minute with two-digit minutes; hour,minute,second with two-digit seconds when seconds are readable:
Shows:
6,40
